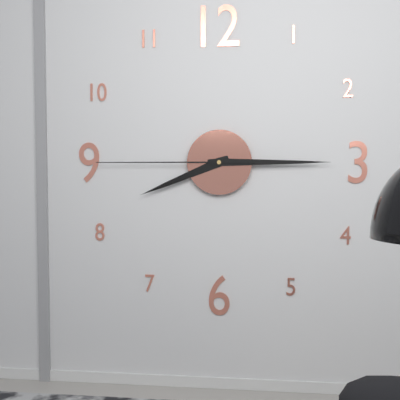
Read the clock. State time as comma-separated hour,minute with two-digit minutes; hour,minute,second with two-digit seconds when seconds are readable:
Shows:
8,15,45
